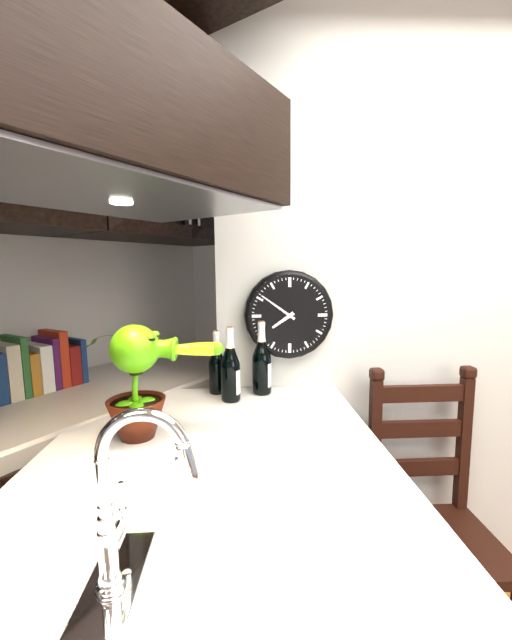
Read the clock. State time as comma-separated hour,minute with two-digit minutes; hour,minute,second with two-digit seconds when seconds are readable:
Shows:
7,51
